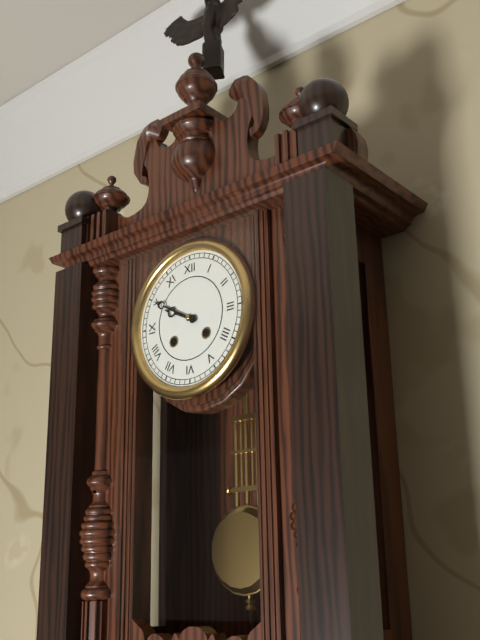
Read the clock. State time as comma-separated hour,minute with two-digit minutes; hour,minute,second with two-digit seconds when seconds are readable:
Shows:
9,50
